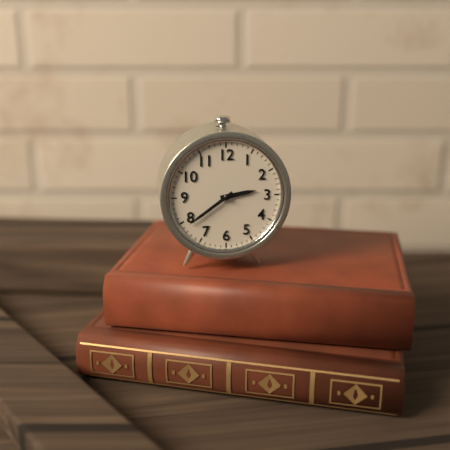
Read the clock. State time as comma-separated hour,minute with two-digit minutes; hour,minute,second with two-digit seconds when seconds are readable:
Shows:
2,39
